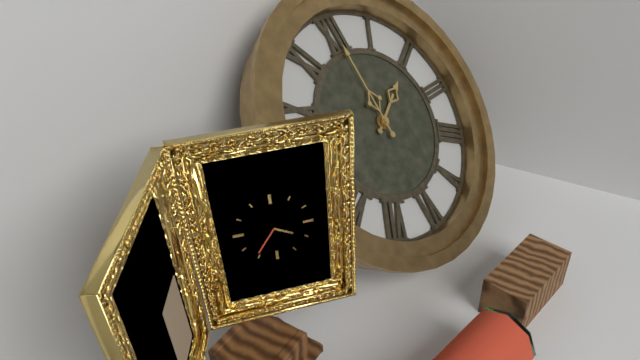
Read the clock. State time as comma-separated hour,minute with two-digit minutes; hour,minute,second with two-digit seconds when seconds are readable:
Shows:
2,00
